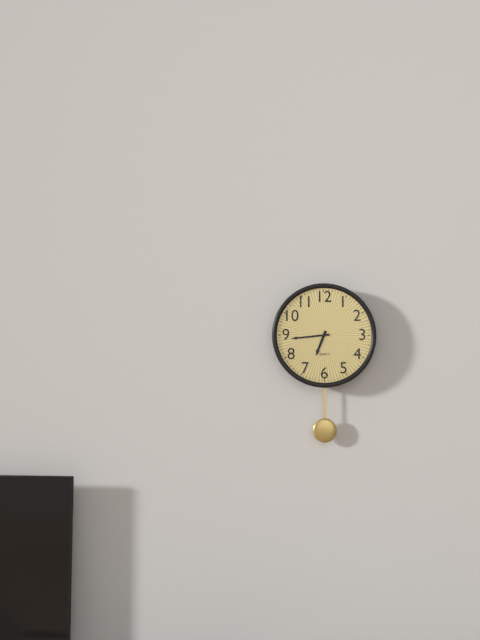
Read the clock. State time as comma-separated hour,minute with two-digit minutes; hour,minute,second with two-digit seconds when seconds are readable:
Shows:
6,44
